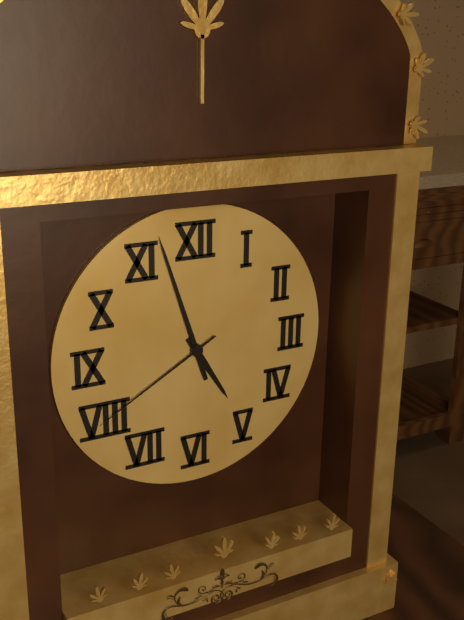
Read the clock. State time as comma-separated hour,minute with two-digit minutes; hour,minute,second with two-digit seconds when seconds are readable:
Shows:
4,57,40
